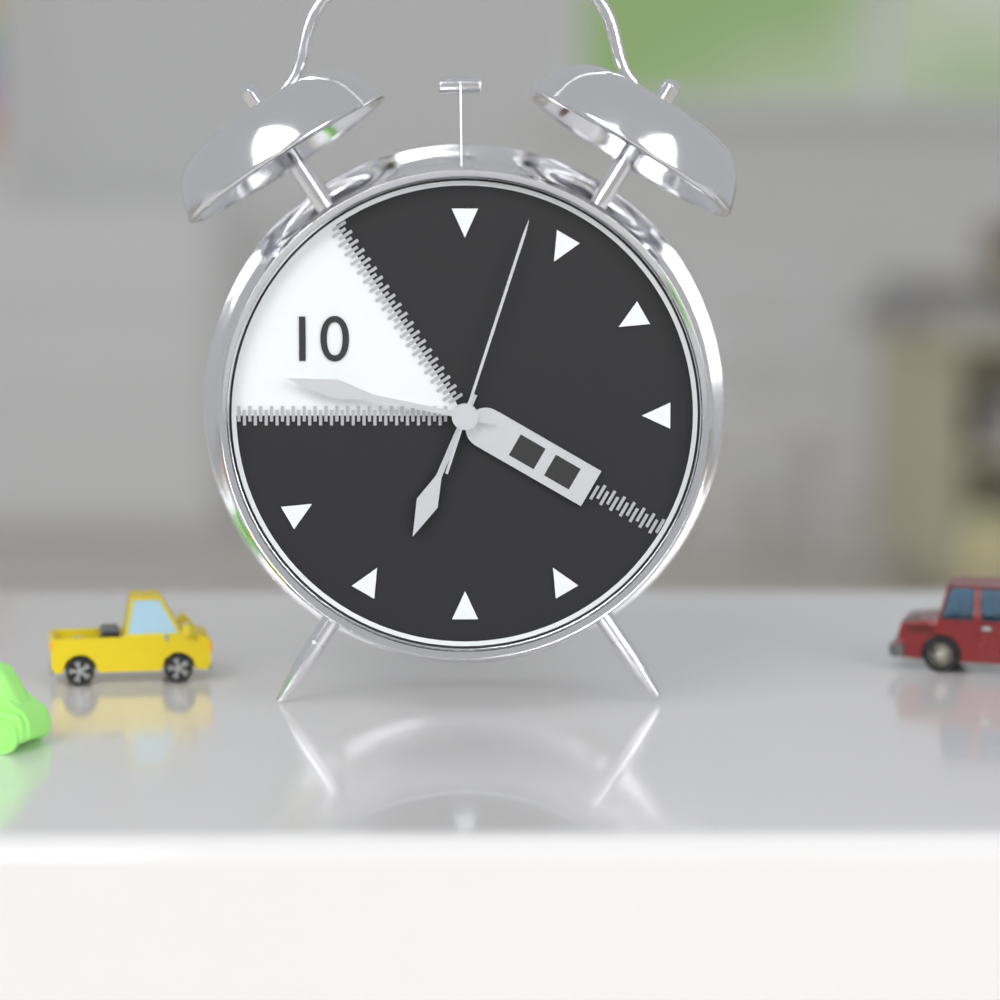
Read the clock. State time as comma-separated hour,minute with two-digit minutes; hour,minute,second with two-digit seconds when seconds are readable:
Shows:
6,47,03
